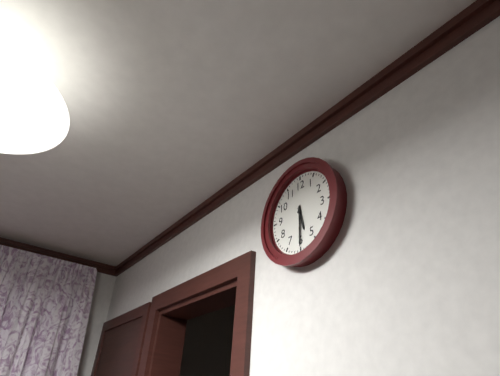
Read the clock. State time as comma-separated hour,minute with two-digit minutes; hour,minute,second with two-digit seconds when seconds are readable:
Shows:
5,30
